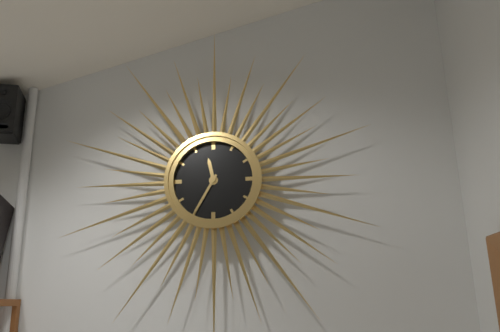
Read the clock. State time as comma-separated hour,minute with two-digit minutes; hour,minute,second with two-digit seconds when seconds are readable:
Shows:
11,35
